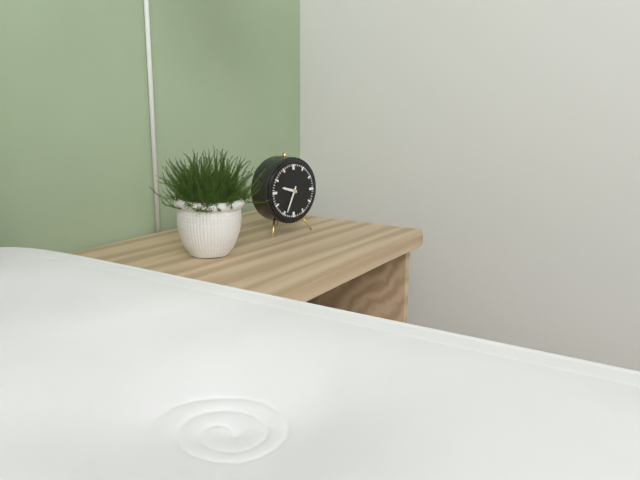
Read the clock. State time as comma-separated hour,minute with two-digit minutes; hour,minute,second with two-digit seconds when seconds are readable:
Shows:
9,34
